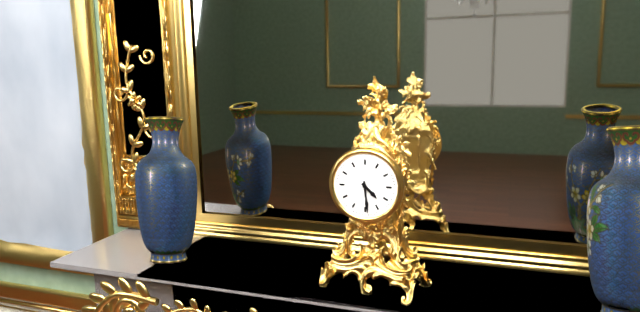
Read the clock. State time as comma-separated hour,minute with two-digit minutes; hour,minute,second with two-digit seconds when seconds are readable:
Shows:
4,29
